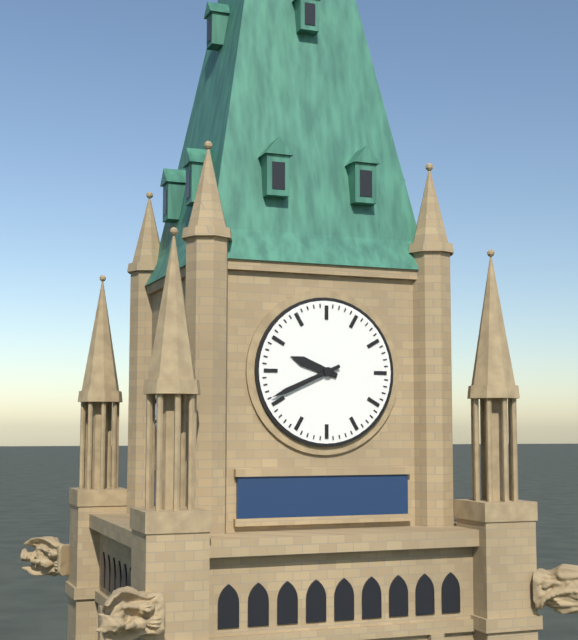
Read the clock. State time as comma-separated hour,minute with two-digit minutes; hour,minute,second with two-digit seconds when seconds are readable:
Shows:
9,41
